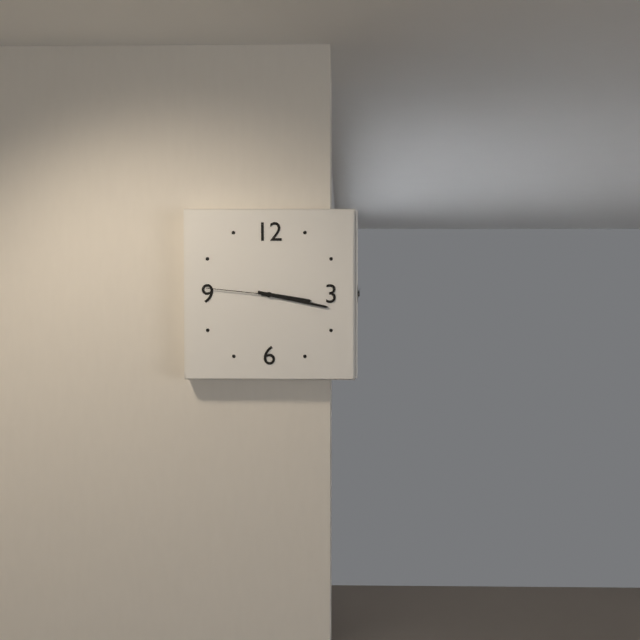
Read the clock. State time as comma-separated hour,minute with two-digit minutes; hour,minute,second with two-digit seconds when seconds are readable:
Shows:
3,17,46
